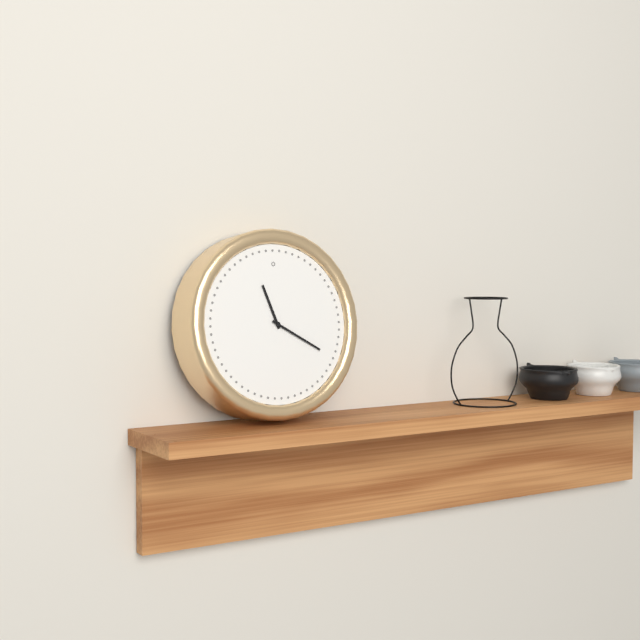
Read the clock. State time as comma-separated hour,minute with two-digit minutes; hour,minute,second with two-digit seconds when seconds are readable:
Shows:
11,20
